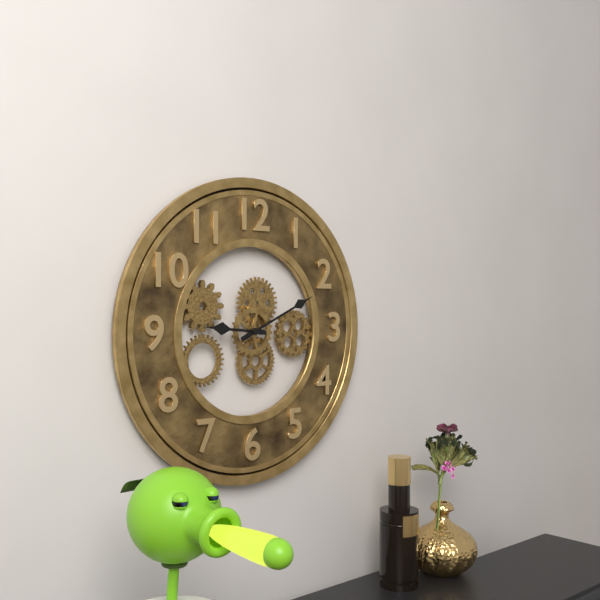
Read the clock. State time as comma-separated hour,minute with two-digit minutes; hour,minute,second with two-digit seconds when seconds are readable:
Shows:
9,11
